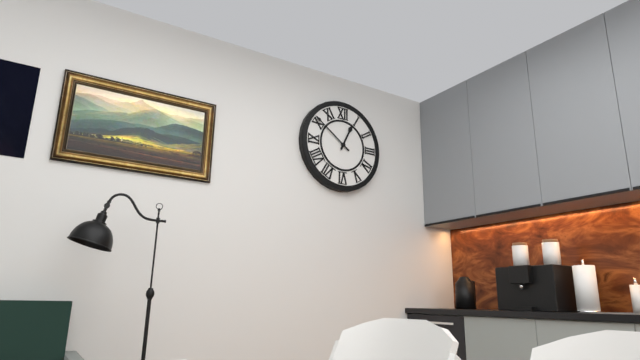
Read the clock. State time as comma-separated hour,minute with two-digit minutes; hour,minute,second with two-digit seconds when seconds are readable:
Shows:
12,51
